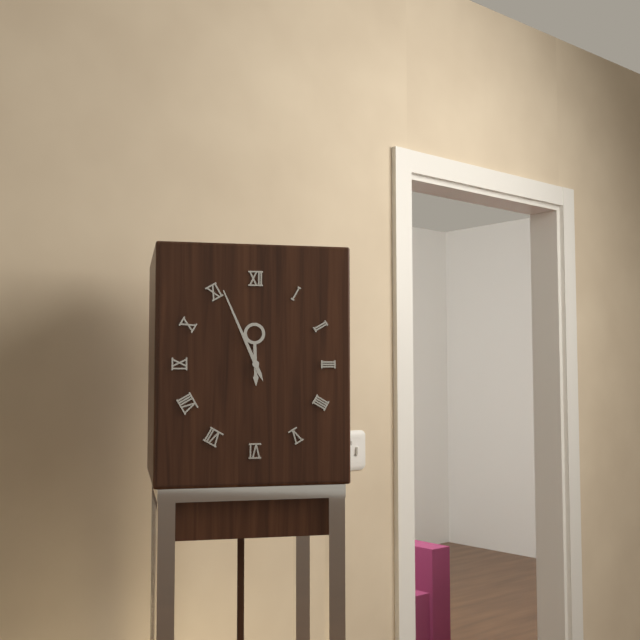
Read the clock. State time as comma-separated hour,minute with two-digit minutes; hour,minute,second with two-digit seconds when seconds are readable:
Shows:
11,56
